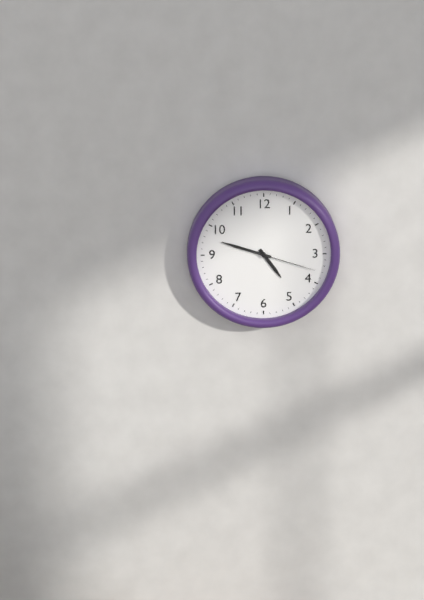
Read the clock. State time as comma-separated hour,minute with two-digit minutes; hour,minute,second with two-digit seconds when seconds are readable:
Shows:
4,48,18
